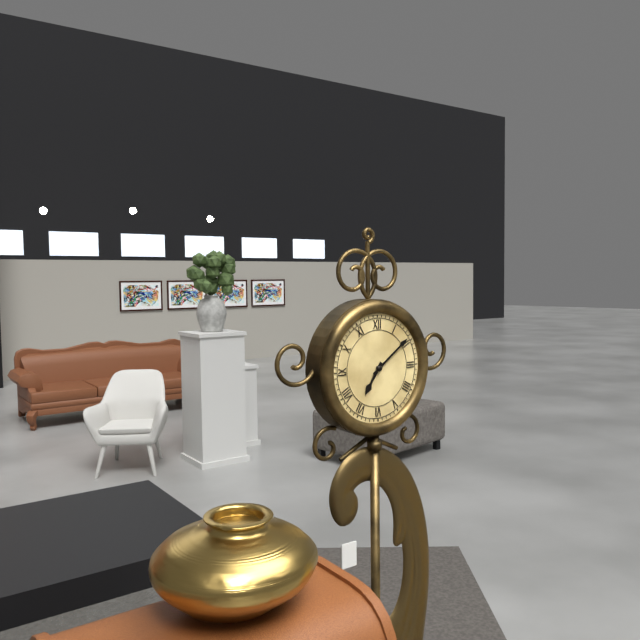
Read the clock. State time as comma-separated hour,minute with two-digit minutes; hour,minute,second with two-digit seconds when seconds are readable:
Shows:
7,09
